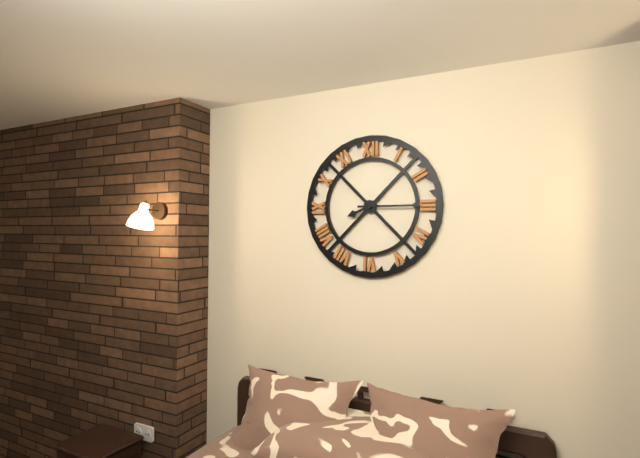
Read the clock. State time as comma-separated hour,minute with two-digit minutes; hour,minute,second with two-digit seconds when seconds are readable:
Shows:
8,15
